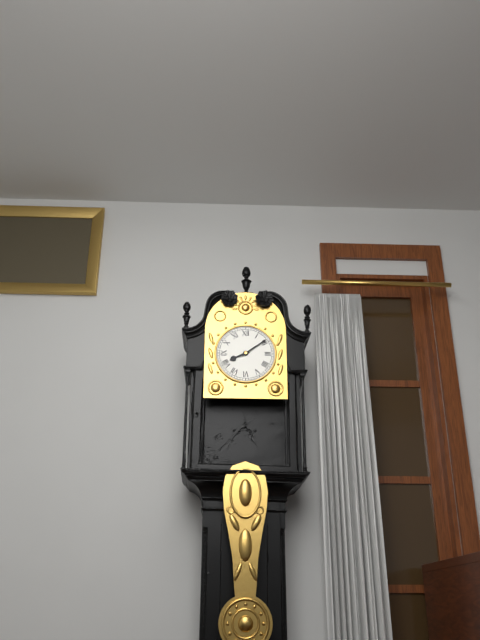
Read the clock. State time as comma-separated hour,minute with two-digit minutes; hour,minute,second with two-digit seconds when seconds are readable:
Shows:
8,09
